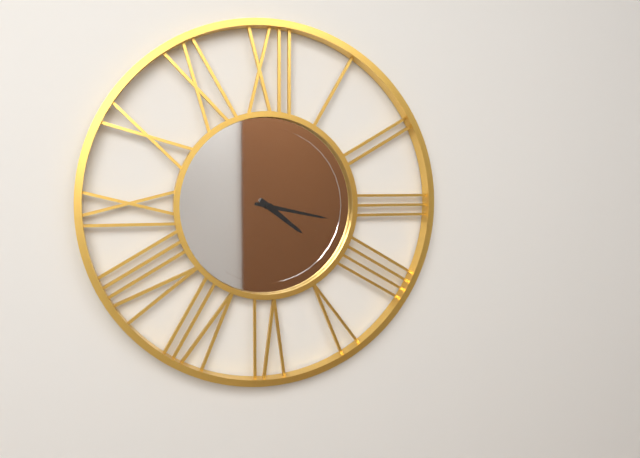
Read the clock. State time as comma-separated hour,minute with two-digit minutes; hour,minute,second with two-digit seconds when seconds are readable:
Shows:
4,17
